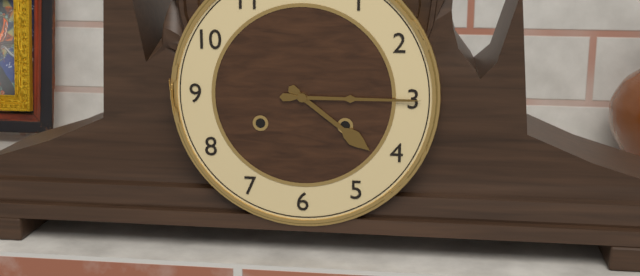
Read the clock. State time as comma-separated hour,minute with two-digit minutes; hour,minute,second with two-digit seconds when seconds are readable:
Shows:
4,15
